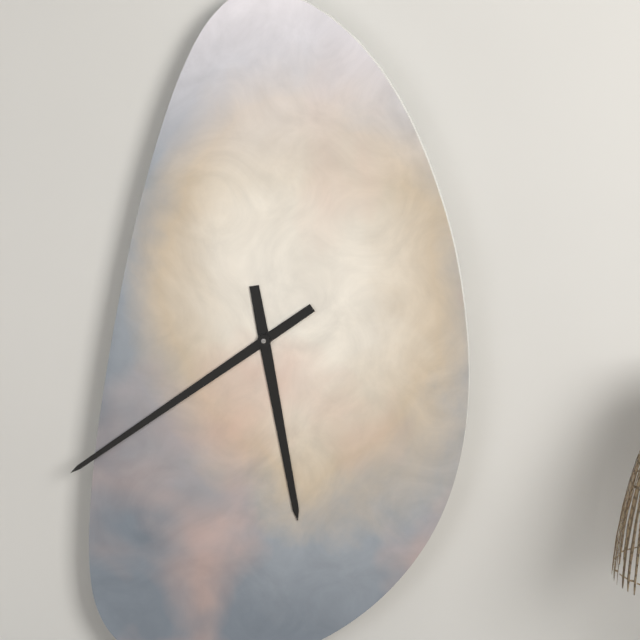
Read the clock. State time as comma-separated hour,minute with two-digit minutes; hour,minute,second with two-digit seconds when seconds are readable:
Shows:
5,39
